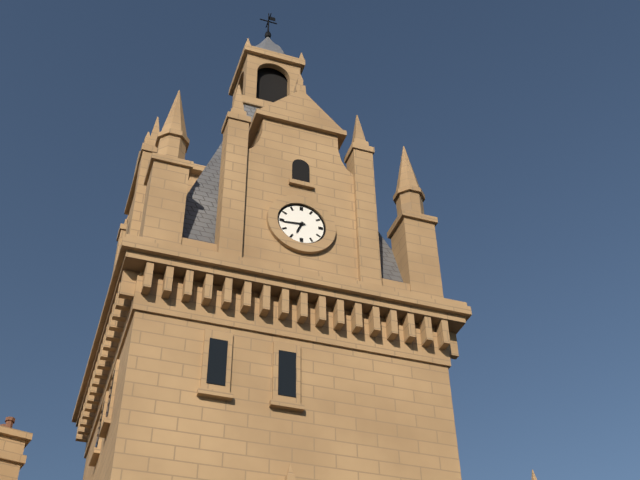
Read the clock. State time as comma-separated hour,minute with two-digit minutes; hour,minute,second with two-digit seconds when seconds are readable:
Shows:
6,44
